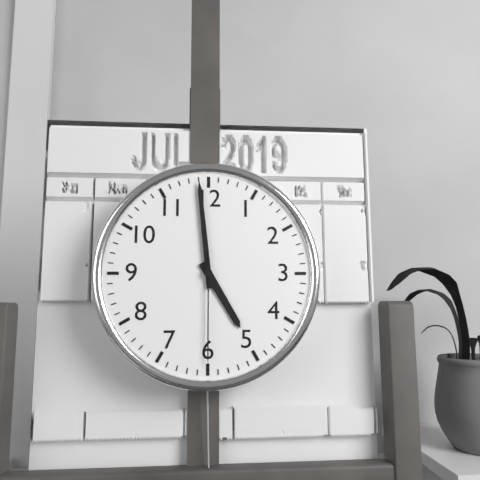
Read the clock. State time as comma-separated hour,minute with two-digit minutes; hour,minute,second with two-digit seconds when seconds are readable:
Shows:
4,59,30
